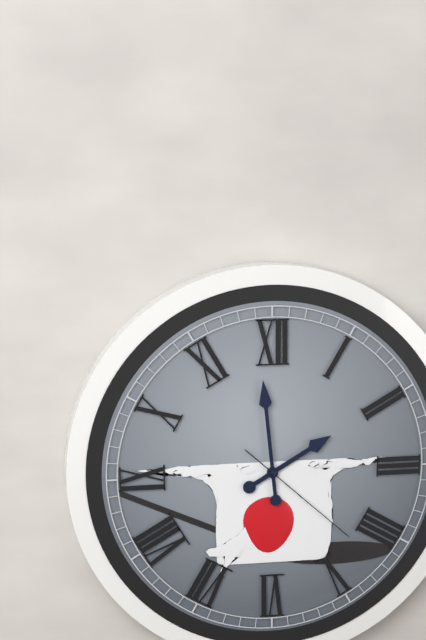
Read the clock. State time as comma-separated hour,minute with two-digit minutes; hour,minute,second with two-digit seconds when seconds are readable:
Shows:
1,59,22
